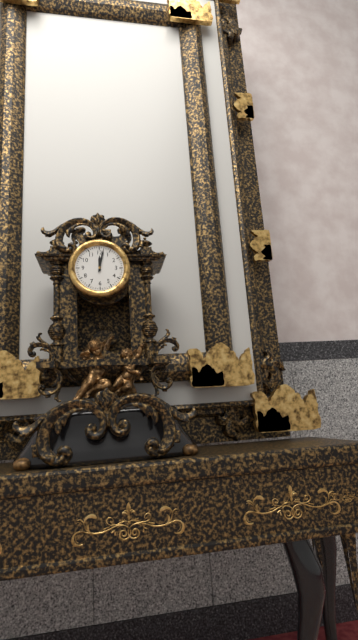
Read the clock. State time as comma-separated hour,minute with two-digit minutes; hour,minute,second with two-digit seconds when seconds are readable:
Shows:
12,02
